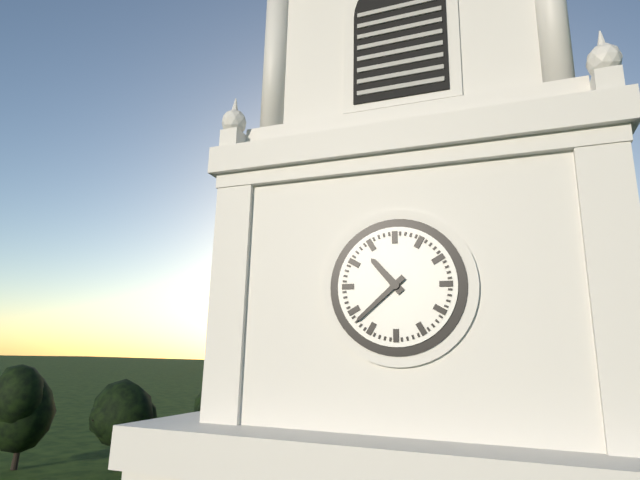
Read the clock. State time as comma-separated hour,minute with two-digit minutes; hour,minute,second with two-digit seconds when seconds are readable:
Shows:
10,38
